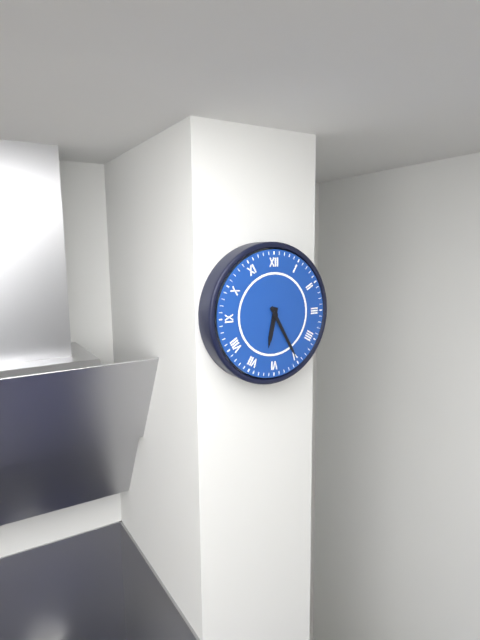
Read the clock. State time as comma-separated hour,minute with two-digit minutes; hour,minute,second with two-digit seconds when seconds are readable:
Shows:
6,25
